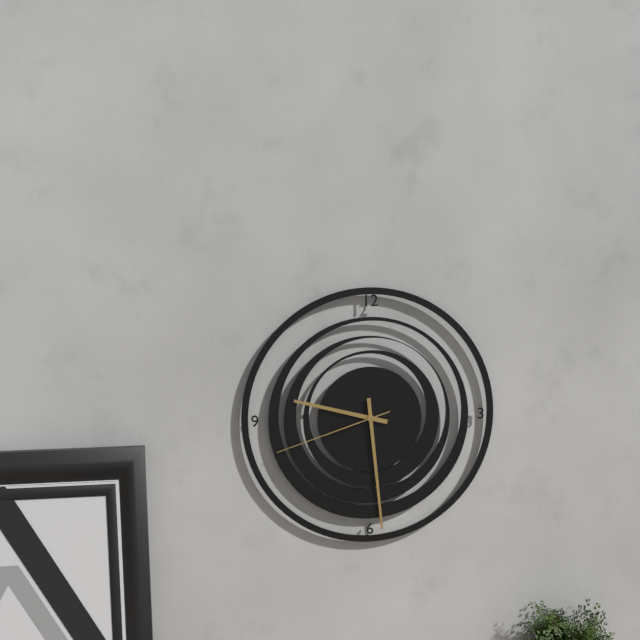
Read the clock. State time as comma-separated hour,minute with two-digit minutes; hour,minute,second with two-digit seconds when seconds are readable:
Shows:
9,29,42
